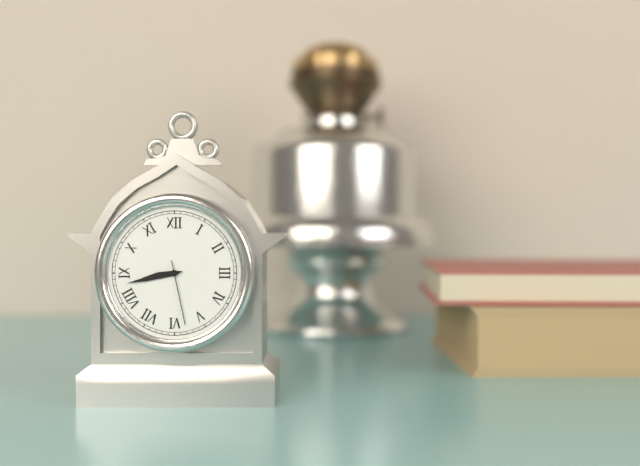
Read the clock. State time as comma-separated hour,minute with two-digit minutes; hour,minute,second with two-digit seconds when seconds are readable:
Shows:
8,43,28
